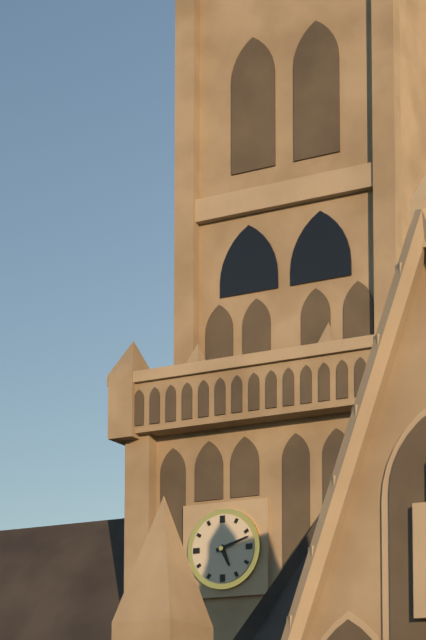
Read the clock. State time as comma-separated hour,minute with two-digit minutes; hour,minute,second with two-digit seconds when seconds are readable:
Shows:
5,12
